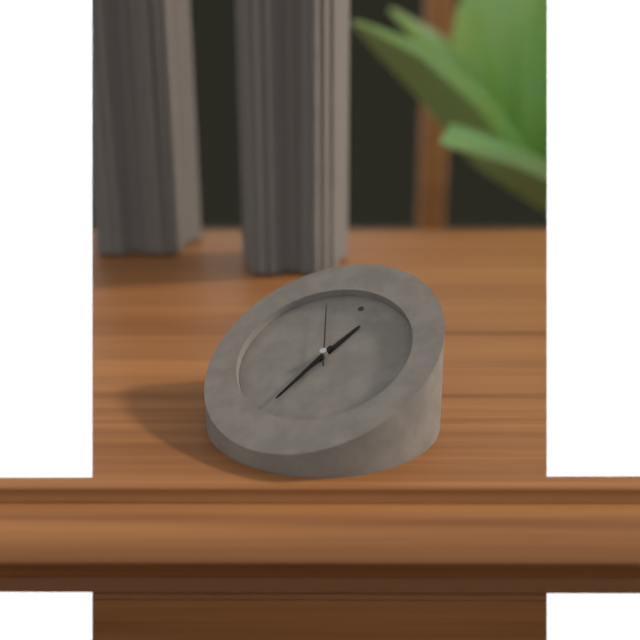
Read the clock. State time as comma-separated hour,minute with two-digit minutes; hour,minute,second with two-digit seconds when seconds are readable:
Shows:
12,32,55
